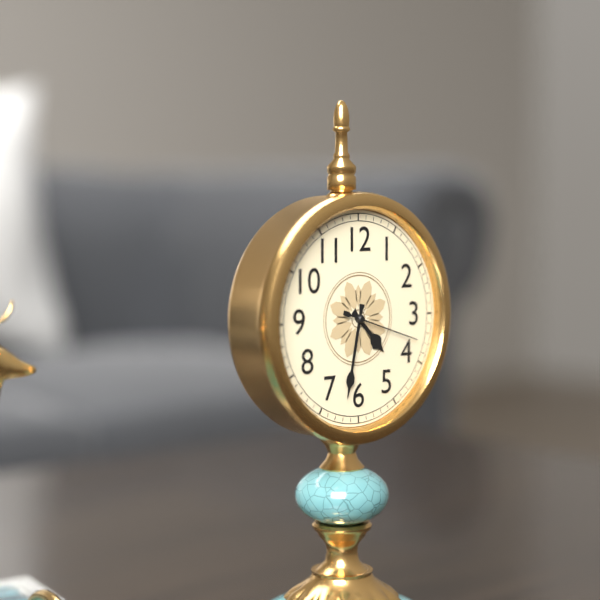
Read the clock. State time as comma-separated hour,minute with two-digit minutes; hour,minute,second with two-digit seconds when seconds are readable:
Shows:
4,32,18
